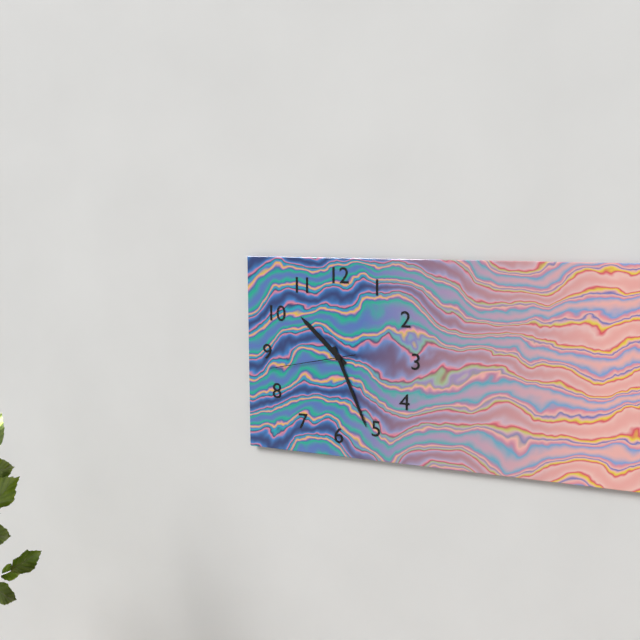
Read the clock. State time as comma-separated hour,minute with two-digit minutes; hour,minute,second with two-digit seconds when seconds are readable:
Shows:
10,26,43
